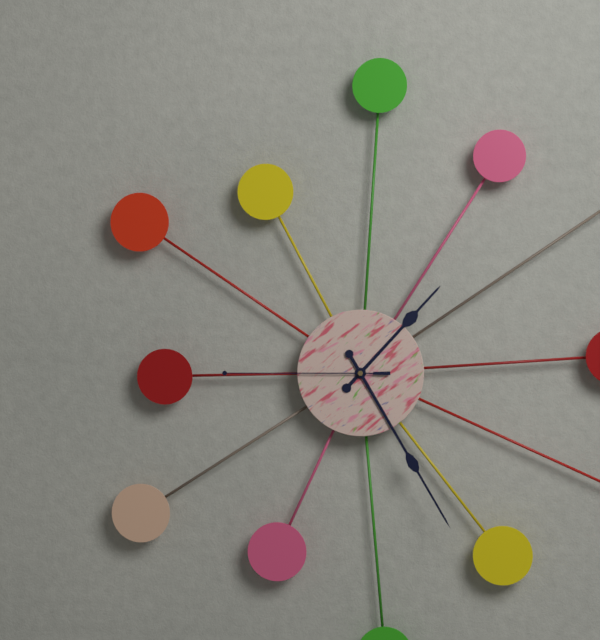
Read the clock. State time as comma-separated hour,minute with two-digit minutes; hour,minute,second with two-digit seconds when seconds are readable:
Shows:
1,25,45
